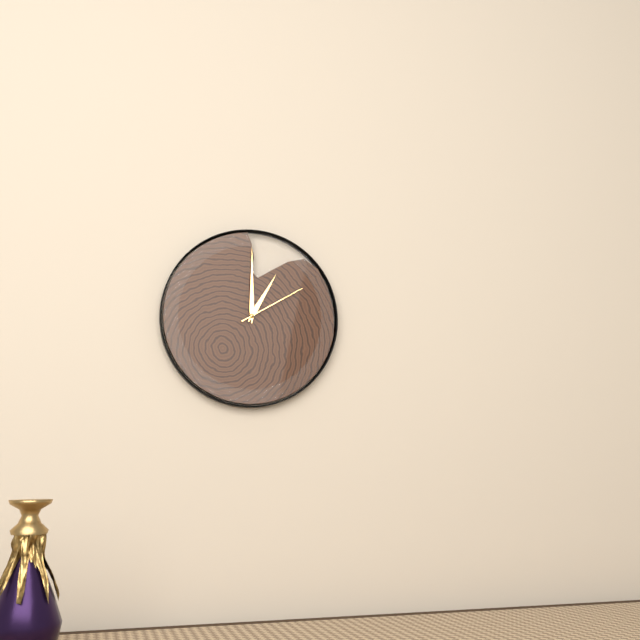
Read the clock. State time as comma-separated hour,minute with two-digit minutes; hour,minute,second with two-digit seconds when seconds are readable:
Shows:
1,00,10
